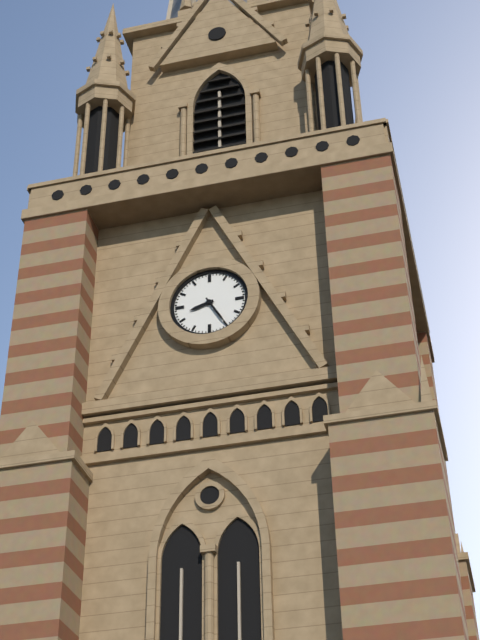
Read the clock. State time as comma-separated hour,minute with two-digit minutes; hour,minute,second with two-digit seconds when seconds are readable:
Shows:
8,25
